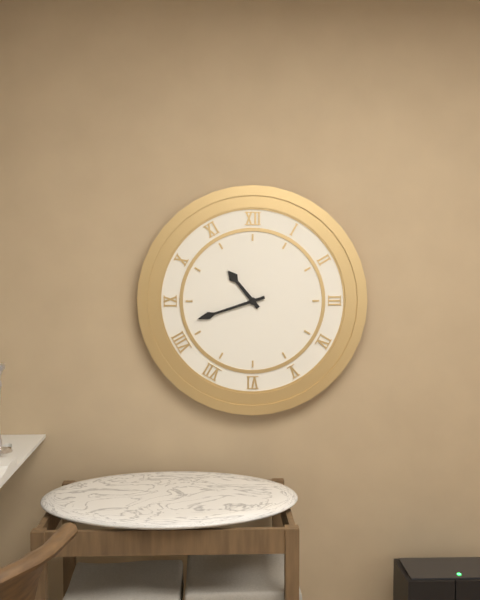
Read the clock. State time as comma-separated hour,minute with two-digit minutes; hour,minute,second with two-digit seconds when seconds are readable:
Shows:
10,42
